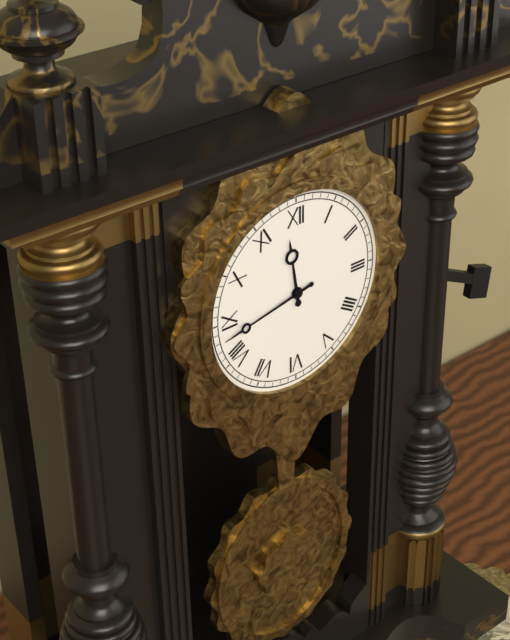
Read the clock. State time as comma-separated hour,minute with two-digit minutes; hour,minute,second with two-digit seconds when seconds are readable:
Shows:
11,43
